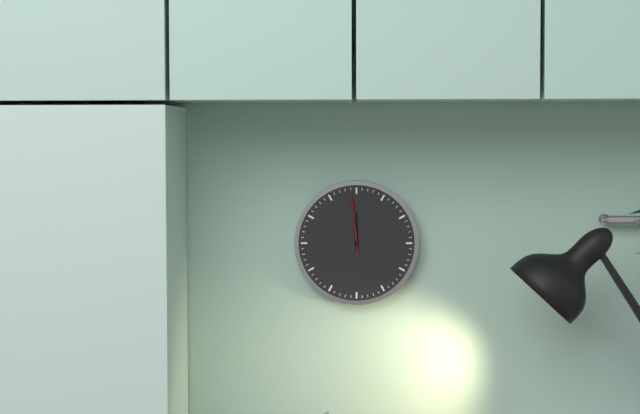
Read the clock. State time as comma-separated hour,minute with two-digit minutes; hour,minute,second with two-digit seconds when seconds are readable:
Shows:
11,59,59
